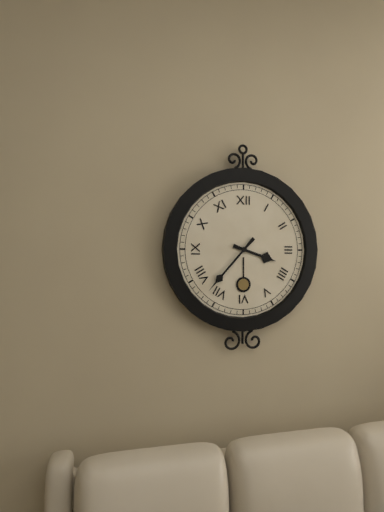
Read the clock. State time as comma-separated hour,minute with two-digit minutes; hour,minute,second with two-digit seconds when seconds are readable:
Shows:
3,37
